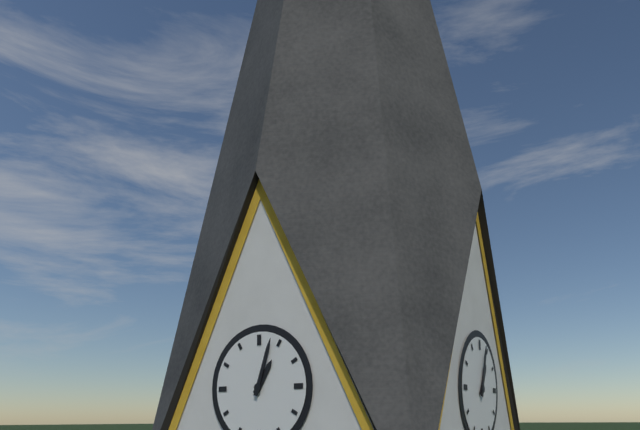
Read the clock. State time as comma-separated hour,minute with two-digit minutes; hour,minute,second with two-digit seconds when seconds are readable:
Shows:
1,03
